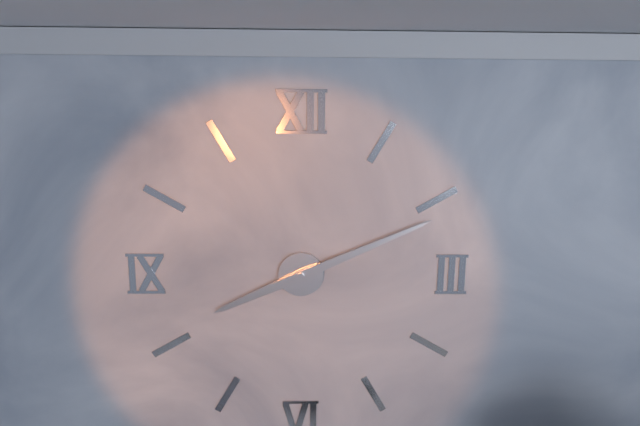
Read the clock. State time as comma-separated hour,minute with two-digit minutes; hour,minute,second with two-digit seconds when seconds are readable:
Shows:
8,11
